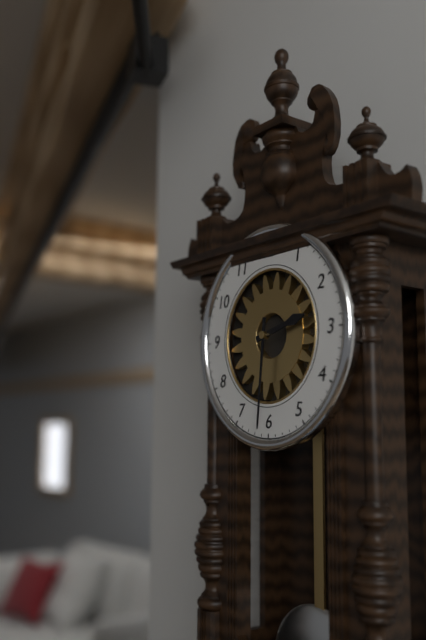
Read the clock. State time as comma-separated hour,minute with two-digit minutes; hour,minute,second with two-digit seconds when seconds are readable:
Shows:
2,31
